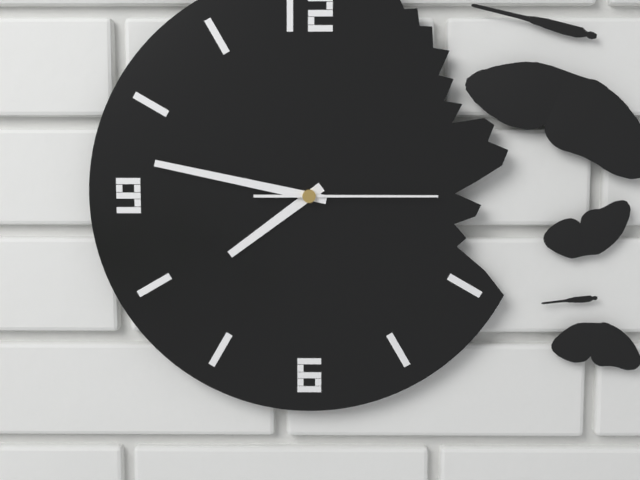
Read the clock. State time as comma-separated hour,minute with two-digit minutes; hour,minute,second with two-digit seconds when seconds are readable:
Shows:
7,47,15
